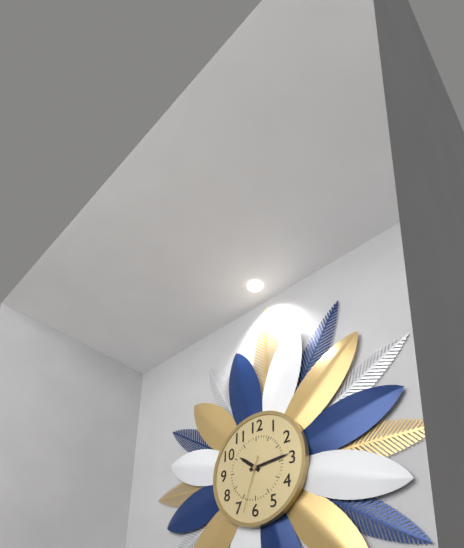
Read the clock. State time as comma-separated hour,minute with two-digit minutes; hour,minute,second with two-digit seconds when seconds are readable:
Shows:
10,14,33
